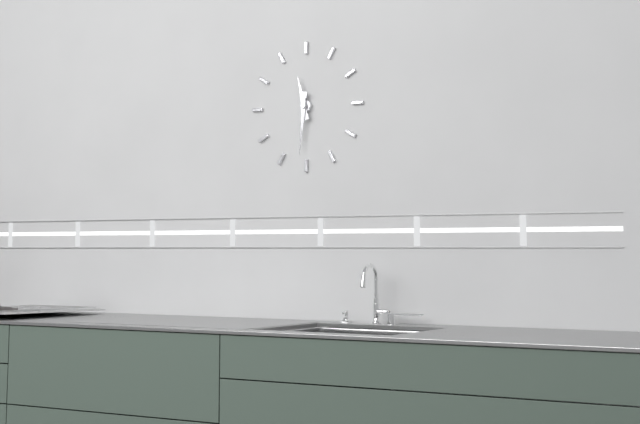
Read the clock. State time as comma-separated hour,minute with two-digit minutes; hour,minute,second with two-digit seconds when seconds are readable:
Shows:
11,31
